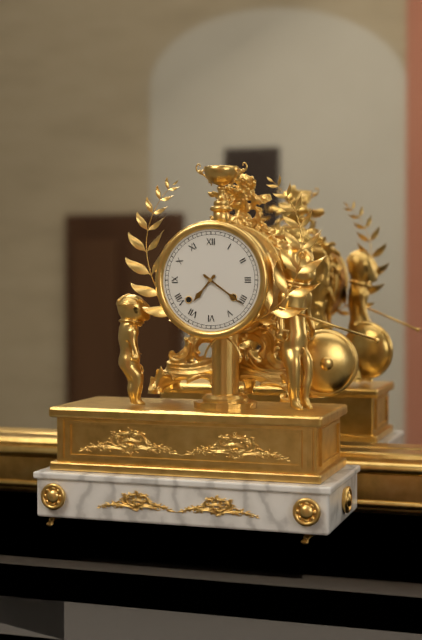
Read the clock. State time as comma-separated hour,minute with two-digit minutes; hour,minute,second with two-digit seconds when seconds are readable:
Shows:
7,21
